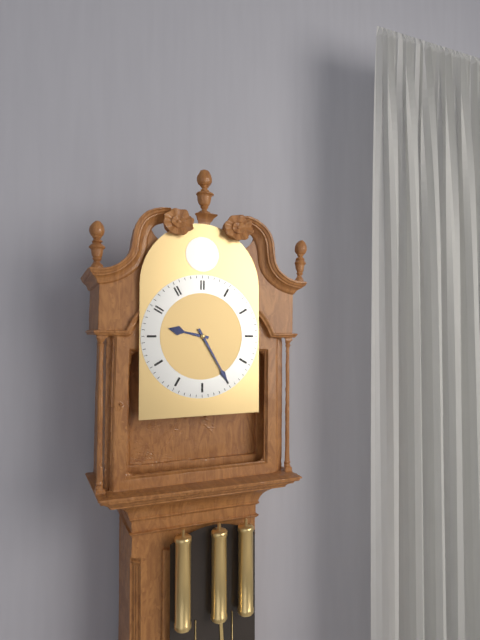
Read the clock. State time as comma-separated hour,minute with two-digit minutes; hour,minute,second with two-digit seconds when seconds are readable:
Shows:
9,25
